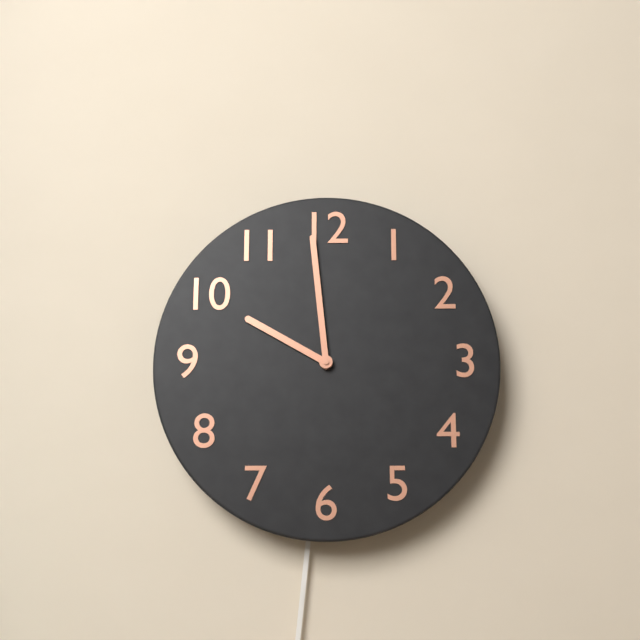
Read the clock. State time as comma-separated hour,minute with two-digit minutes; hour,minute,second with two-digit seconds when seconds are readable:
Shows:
9,59
